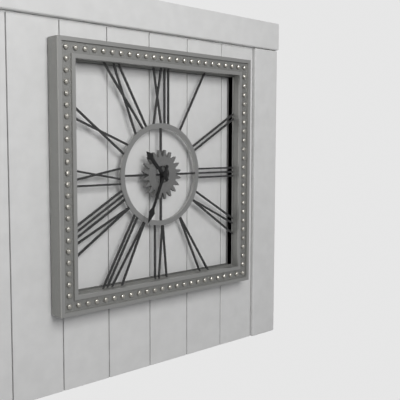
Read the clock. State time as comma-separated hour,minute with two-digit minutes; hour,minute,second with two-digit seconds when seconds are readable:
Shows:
10,34
